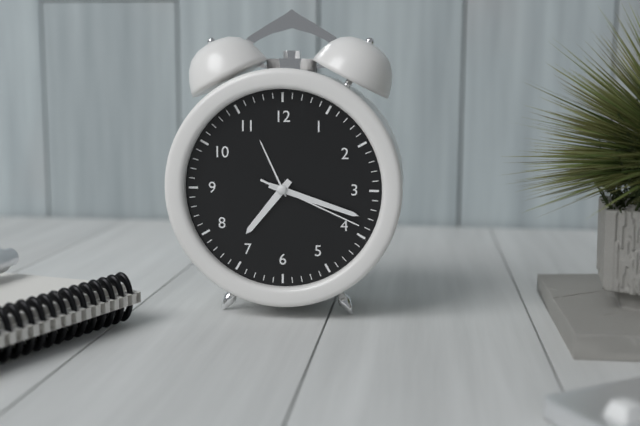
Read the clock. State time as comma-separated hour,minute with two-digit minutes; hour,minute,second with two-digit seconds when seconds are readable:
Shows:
7,18,19
